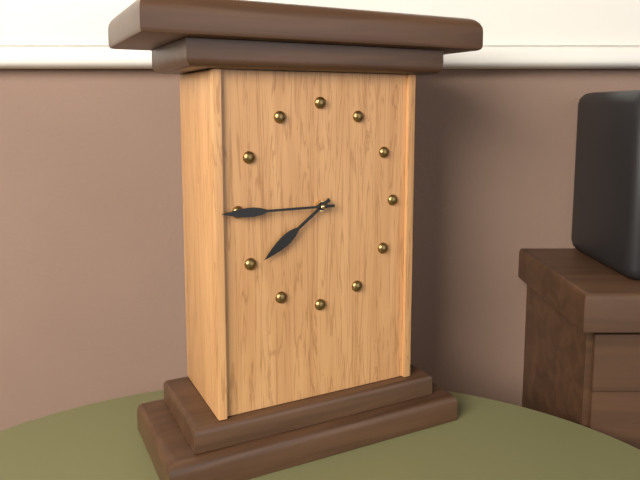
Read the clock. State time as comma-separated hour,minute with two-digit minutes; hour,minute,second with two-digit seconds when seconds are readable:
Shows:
7,45
